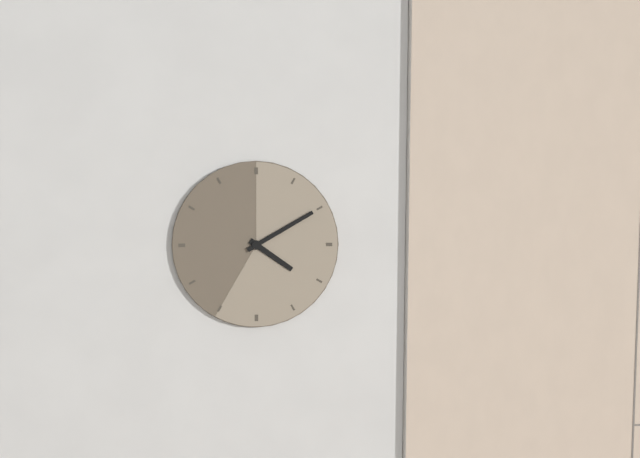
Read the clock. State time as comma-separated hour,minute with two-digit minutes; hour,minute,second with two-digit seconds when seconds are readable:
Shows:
4,10
